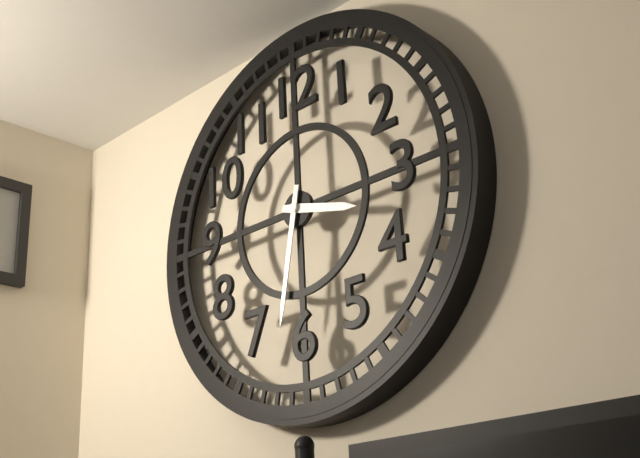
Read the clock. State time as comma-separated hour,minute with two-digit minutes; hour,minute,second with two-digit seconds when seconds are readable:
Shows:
3,32
